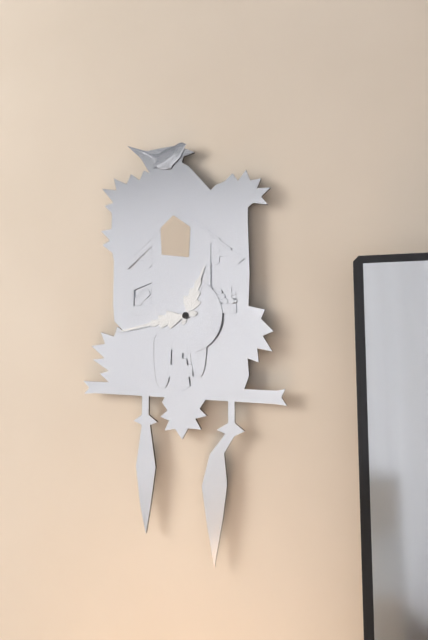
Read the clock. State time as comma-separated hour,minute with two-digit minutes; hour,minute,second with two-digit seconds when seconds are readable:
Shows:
12,43
